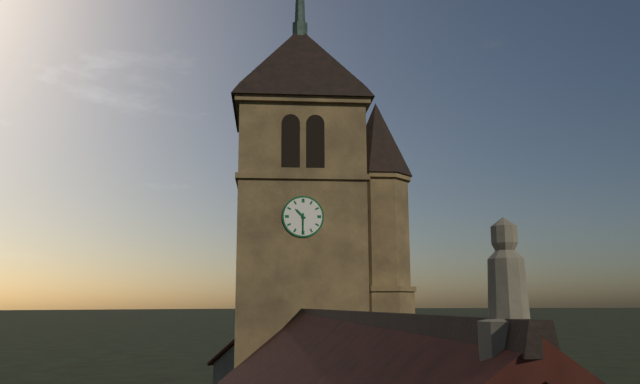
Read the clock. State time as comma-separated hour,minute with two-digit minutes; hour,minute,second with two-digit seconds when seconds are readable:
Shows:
10,30
